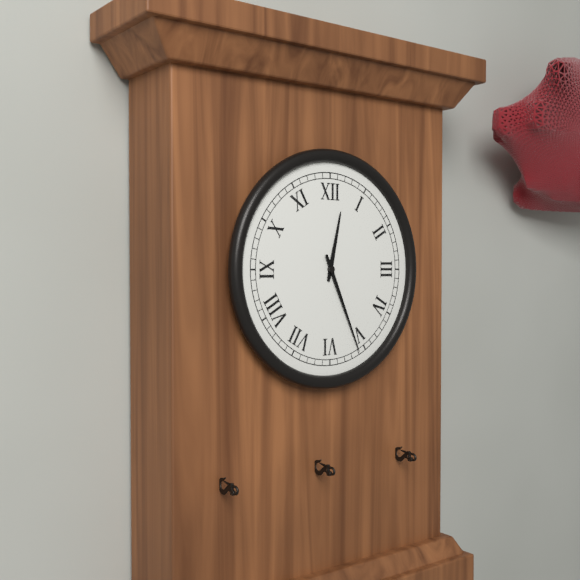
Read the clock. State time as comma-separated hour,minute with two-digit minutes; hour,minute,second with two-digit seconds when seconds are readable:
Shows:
12,26
